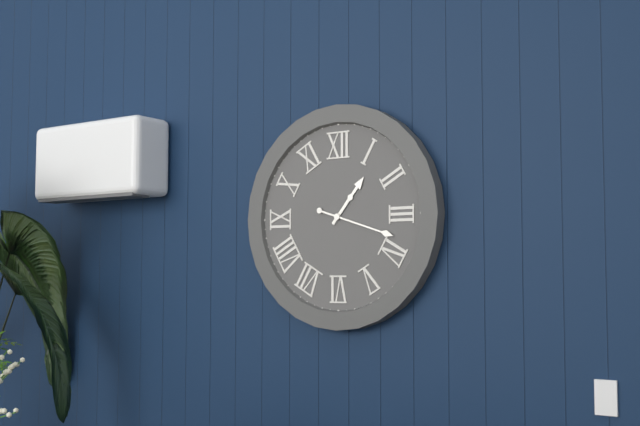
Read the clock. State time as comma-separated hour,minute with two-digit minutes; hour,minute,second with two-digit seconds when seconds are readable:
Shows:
1,18
